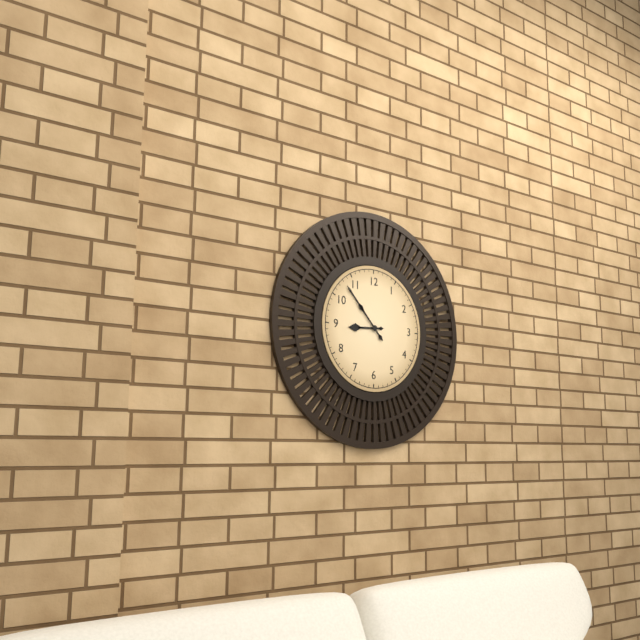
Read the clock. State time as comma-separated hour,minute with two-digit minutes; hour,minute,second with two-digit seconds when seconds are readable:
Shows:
8,53
